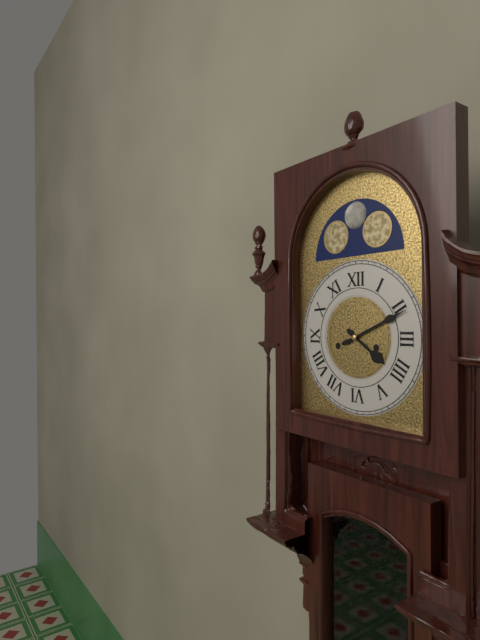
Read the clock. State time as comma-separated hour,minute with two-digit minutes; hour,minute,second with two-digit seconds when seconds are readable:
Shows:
4,11
